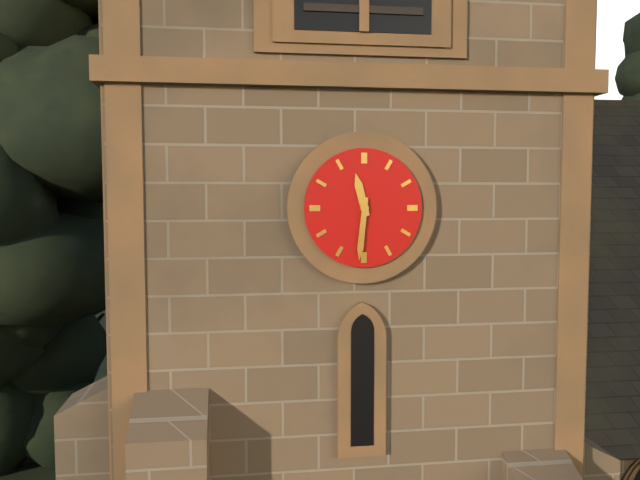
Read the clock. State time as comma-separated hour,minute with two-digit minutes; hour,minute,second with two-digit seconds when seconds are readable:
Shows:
11,31
